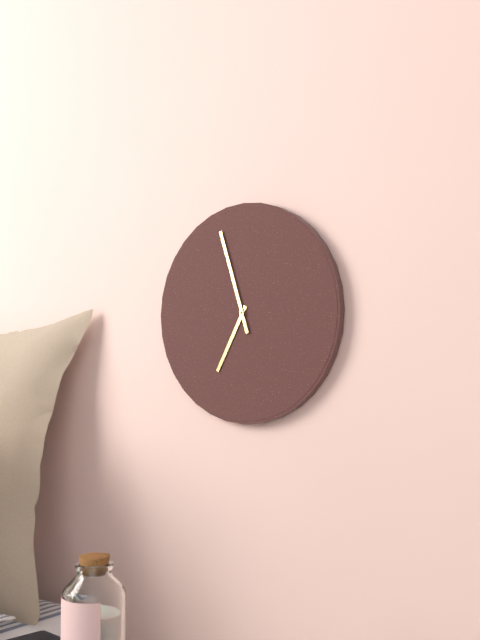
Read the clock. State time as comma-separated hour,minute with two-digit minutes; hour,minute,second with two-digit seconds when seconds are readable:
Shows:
6,57
